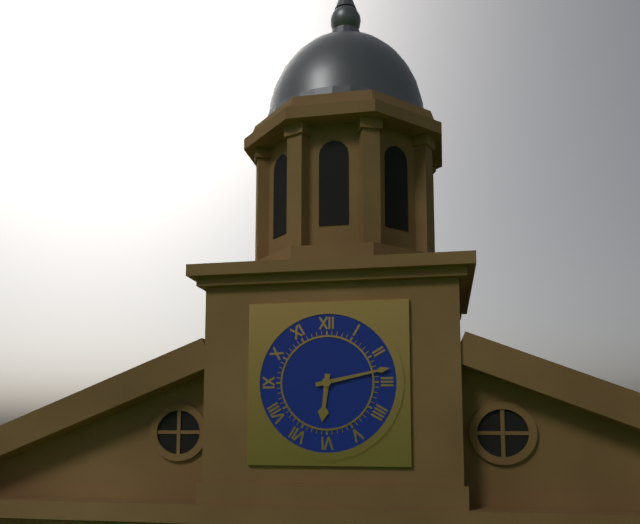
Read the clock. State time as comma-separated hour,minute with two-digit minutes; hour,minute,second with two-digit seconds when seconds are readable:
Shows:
6,13
